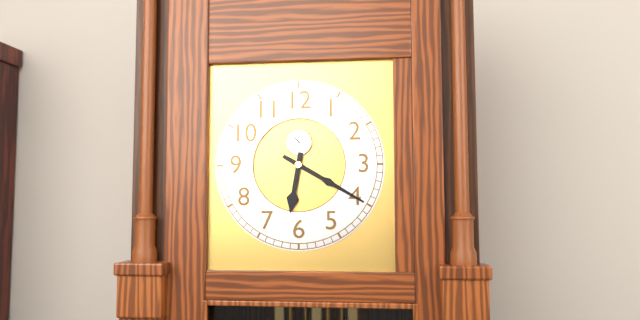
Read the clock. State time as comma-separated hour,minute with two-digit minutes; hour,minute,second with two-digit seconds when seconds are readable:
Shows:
6,20
